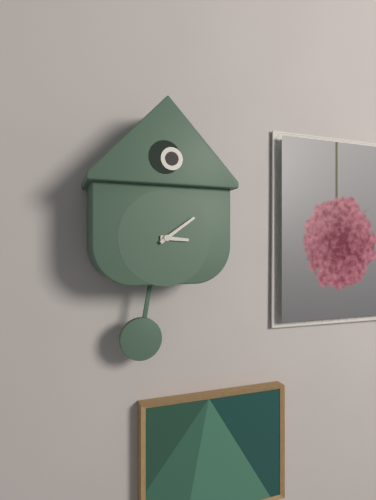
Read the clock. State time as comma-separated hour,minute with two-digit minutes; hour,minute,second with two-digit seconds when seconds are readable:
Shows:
3,09
